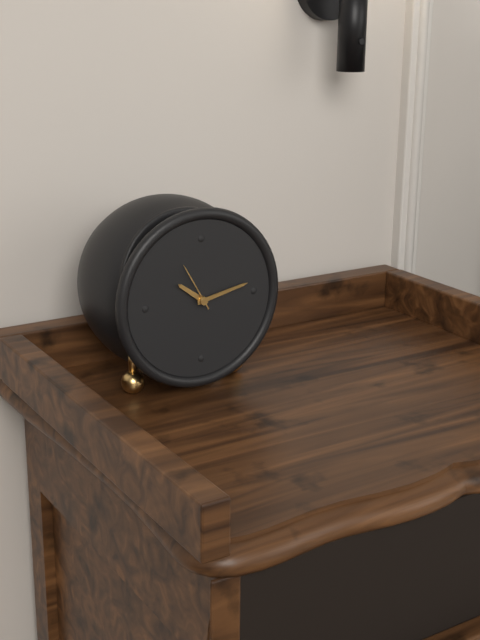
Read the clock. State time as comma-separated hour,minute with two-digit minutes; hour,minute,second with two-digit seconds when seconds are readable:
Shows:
10,13,55
